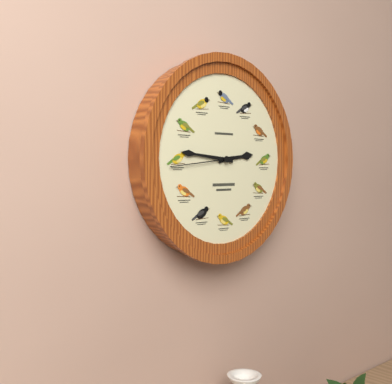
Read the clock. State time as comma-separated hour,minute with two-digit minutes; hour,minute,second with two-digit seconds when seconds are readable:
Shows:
2,46,44
